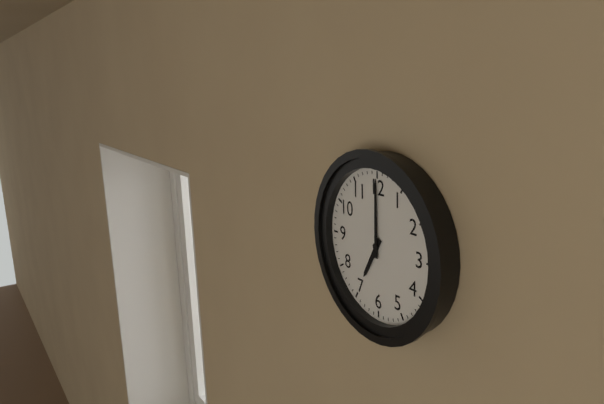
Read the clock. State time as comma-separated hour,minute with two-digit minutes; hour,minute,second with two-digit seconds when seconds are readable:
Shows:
7,00
